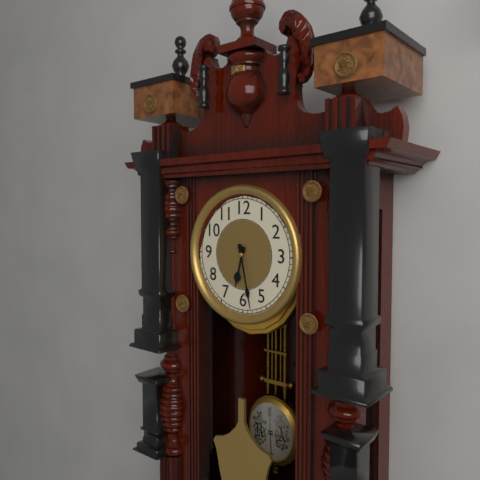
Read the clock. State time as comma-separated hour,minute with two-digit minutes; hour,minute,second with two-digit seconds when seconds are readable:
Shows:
6,28
